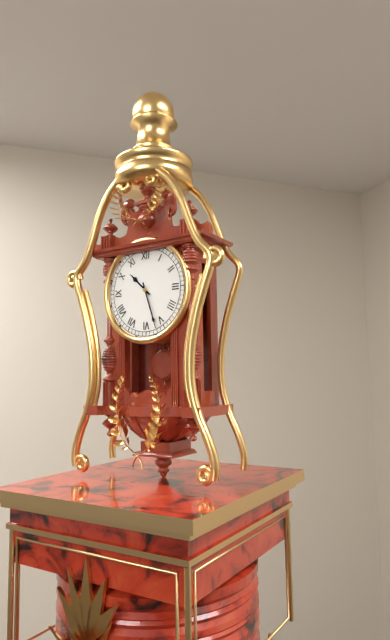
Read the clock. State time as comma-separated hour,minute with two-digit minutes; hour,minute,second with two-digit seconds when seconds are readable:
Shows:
10,27
